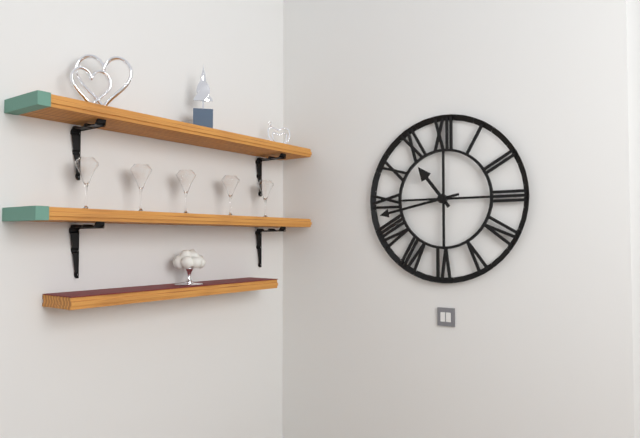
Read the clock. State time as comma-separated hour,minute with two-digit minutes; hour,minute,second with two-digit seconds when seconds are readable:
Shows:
10,43
